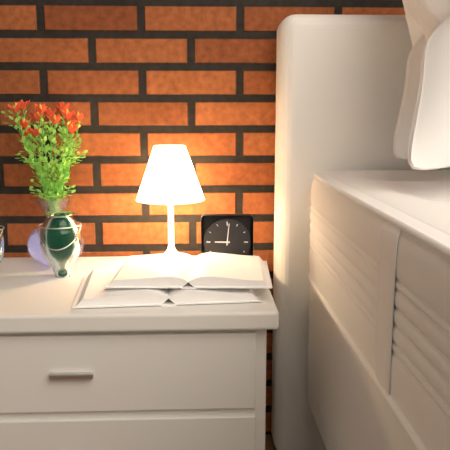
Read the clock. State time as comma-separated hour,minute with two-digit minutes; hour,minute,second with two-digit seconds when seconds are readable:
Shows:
9,01
